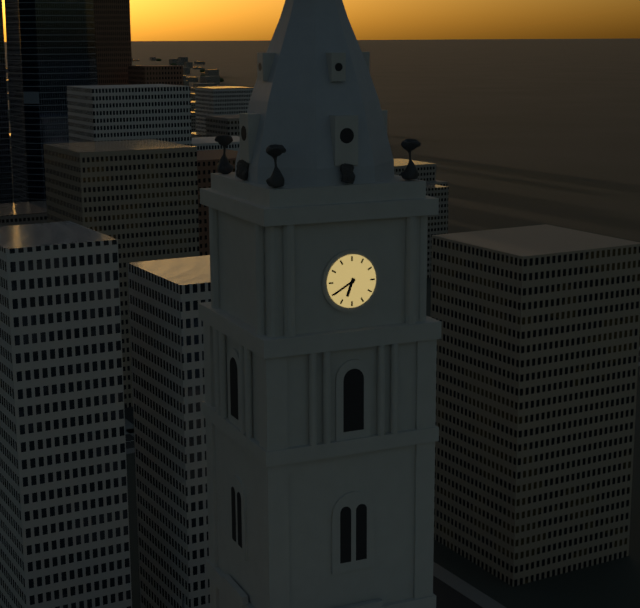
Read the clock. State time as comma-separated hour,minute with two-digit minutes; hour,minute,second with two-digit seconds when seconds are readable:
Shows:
6,40
